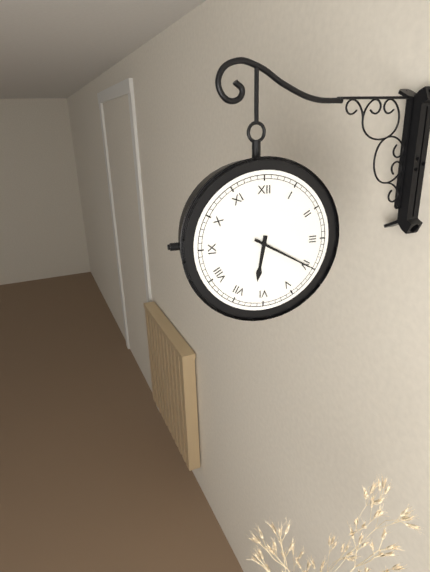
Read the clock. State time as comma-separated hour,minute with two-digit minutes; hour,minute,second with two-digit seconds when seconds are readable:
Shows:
6,20
